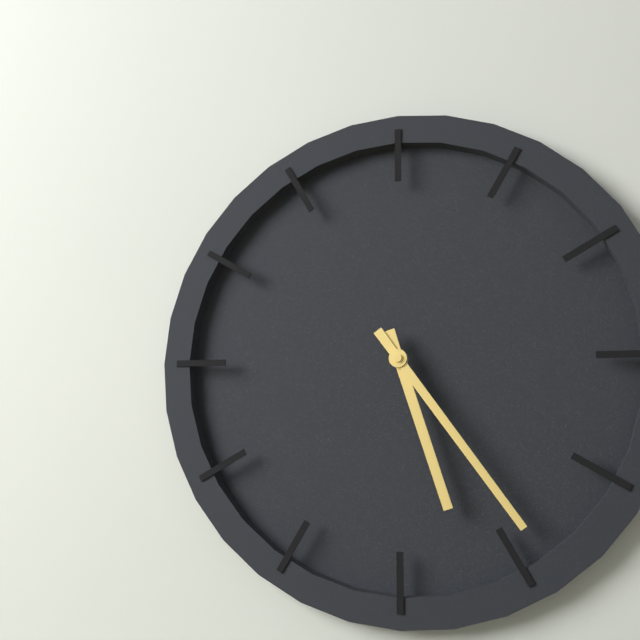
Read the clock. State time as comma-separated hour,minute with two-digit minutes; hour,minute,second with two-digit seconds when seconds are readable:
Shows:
5,24
